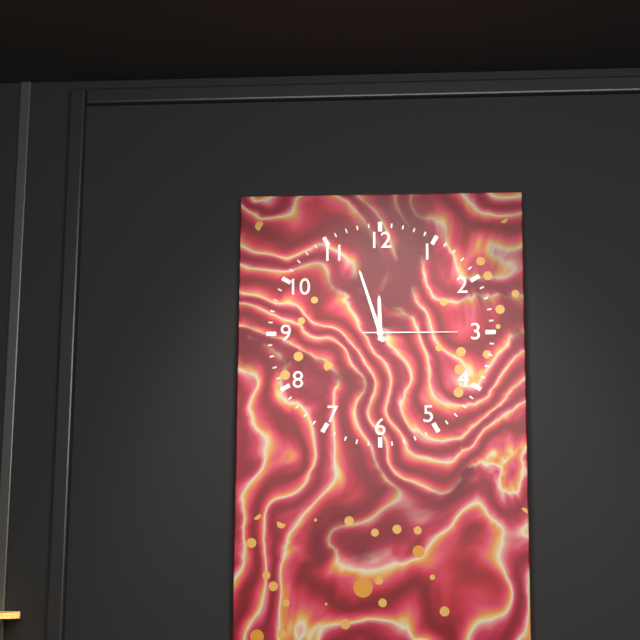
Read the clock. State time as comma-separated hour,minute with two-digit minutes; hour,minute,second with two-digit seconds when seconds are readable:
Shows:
11,57,15
